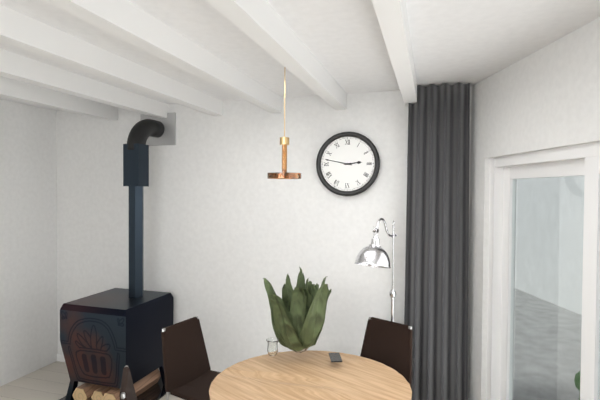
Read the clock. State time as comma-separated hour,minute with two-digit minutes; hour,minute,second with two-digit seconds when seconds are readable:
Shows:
2,47
